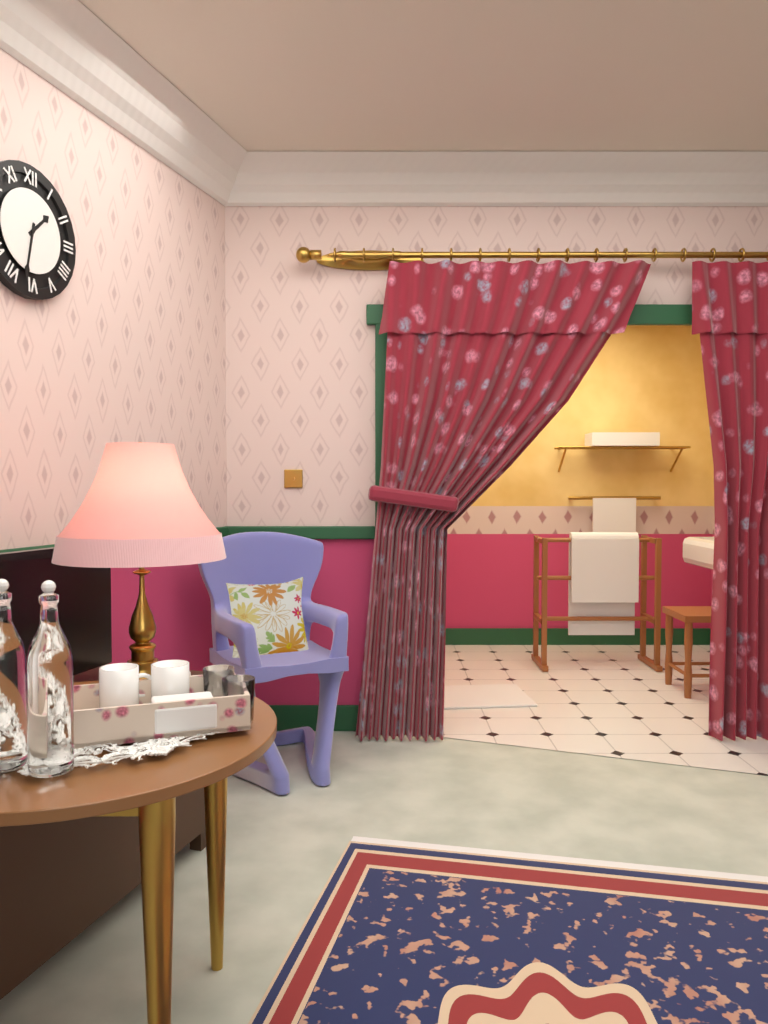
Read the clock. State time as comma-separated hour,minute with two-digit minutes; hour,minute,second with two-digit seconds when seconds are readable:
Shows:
1,32
